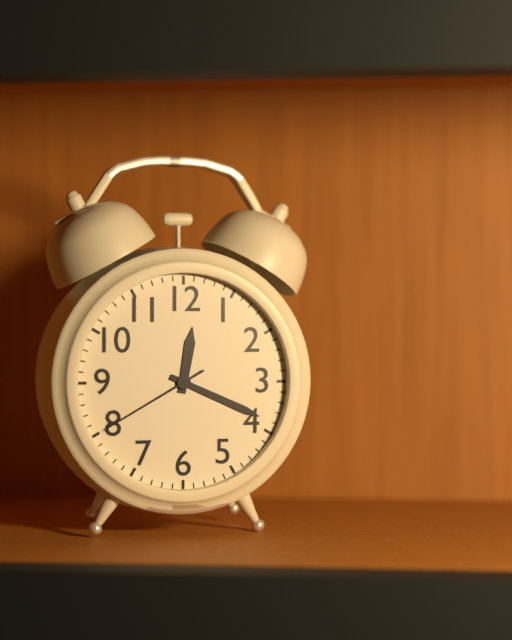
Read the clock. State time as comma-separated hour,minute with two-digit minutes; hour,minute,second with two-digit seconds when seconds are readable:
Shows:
12,19,40
